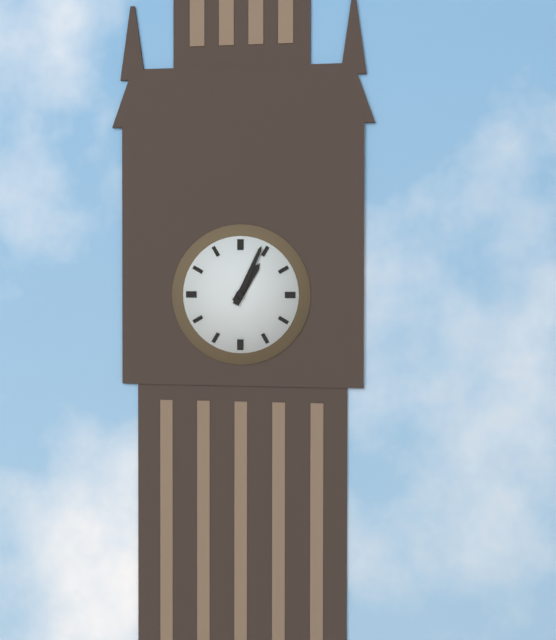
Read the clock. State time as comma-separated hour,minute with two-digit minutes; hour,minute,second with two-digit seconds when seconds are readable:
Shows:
1,04
